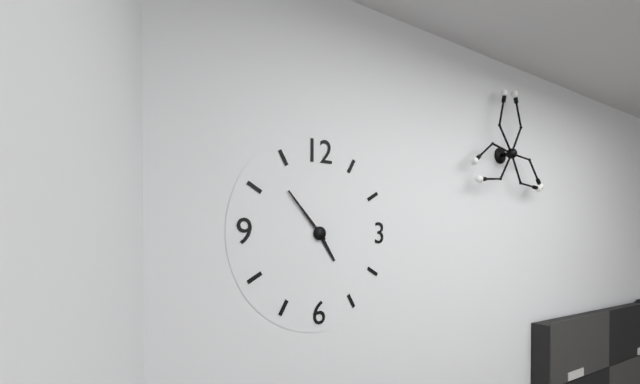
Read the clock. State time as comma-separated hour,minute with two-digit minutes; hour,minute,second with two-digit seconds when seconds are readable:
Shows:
4,53
